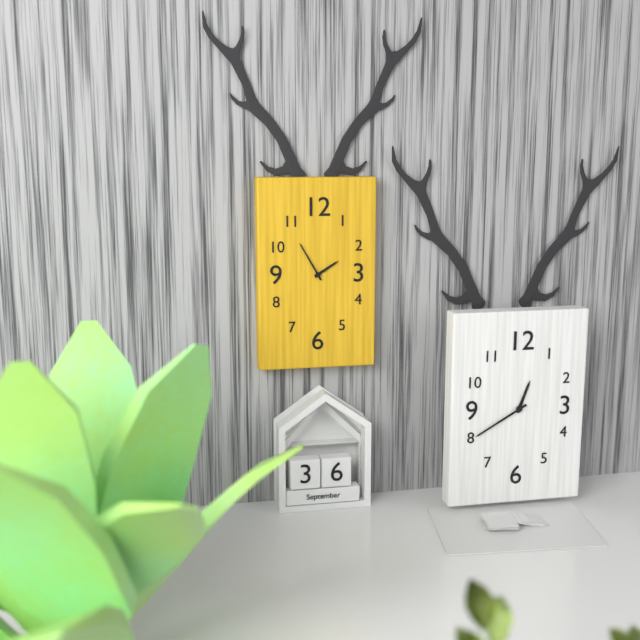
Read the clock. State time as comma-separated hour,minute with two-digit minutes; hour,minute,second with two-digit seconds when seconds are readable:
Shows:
1,55
